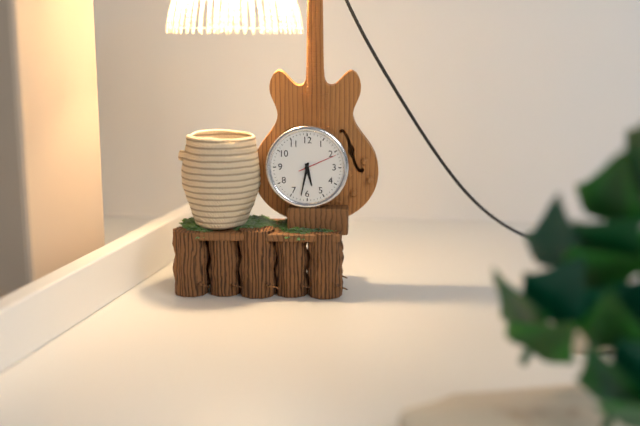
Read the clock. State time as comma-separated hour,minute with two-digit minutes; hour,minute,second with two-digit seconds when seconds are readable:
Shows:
5,32
